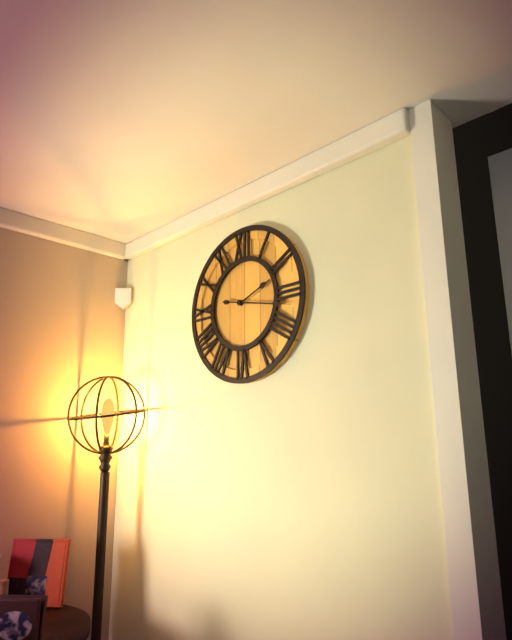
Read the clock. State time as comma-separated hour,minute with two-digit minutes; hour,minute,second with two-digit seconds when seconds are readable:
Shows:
2,17
